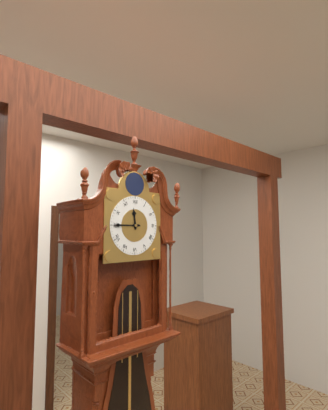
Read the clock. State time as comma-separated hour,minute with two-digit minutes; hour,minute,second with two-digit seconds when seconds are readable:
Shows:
11,45
